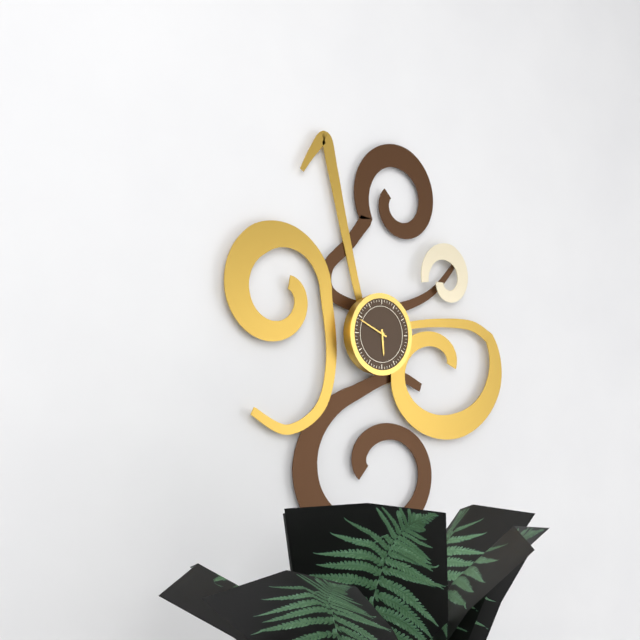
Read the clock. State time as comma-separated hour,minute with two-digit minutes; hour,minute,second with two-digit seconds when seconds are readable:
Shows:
5,49
